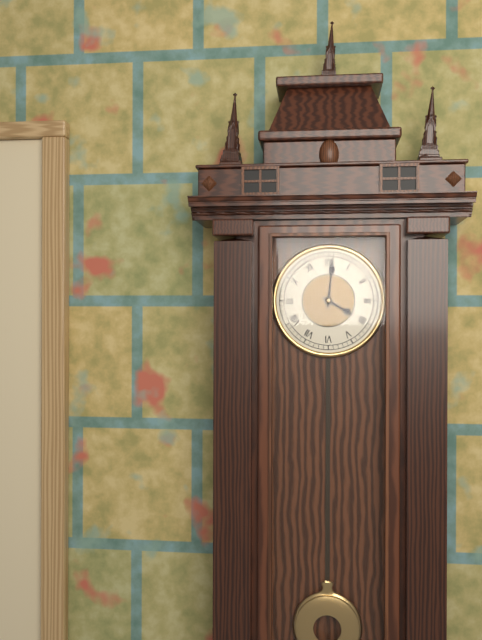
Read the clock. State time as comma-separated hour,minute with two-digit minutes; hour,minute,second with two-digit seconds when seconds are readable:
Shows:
4,01
